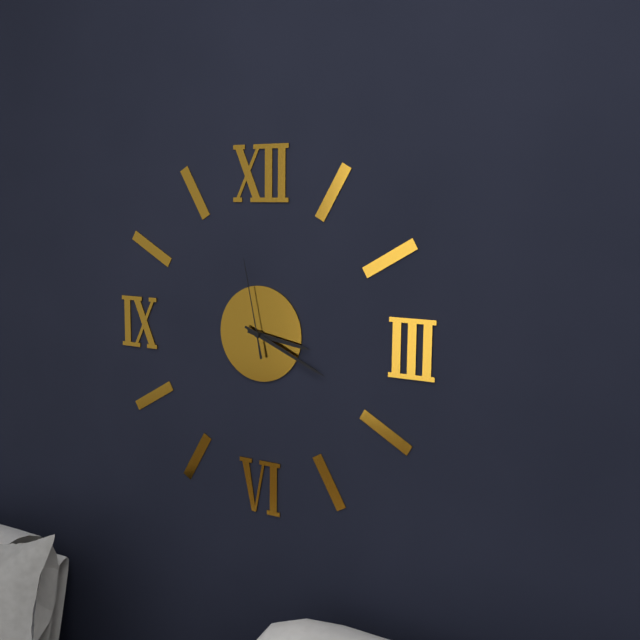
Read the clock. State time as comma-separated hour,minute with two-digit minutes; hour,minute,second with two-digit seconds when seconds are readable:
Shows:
3,19,58
